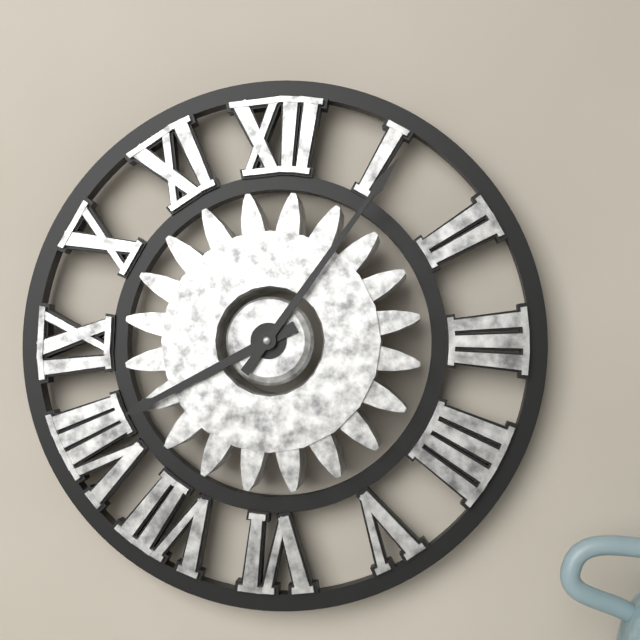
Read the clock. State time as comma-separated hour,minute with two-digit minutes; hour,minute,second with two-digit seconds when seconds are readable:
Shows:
8,06
